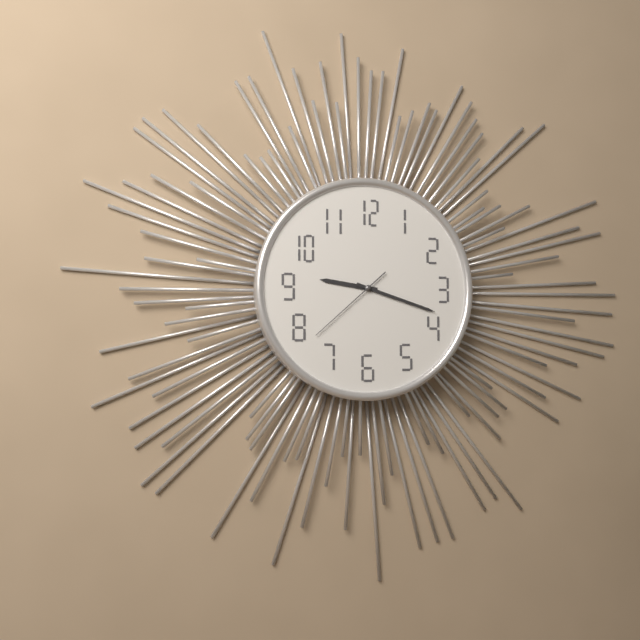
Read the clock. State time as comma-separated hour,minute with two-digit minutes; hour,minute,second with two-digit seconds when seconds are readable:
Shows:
9,18,38
